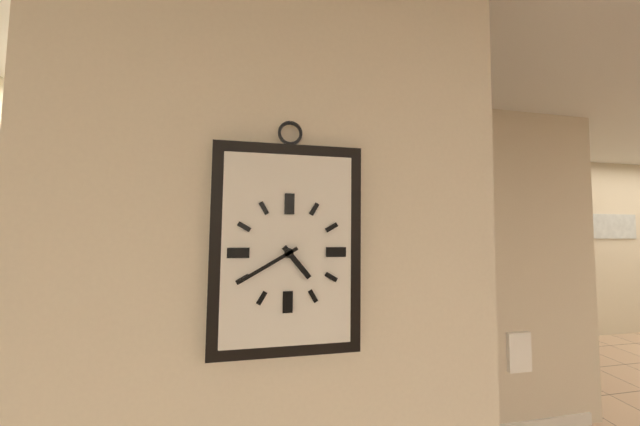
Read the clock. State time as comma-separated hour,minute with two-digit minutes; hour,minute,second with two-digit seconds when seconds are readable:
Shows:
4,40
